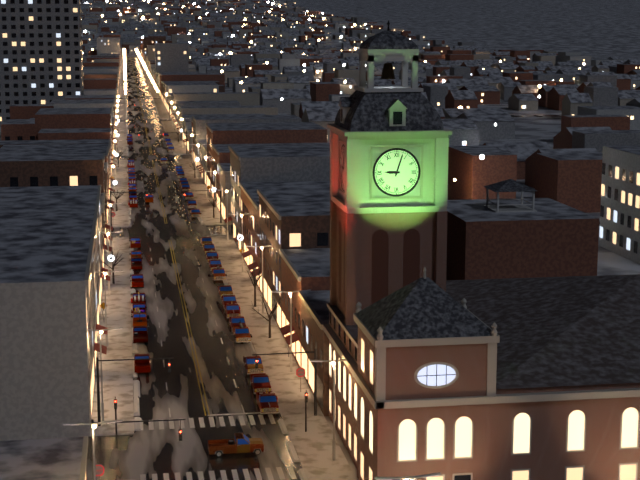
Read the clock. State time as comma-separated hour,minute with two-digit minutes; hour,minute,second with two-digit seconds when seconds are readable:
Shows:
9,03
